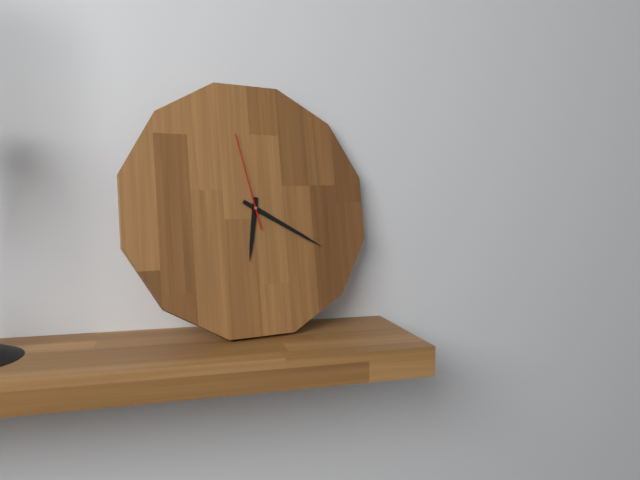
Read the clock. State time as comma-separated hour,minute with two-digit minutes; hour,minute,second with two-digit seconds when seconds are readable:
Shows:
6,20,58
